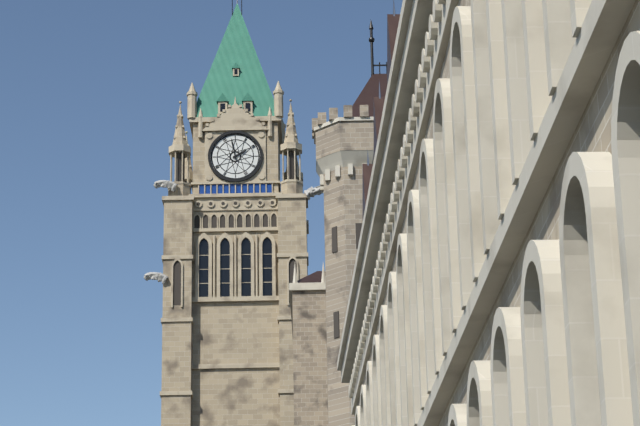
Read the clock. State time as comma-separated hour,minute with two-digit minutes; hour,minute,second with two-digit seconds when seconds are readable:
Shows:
1,58
